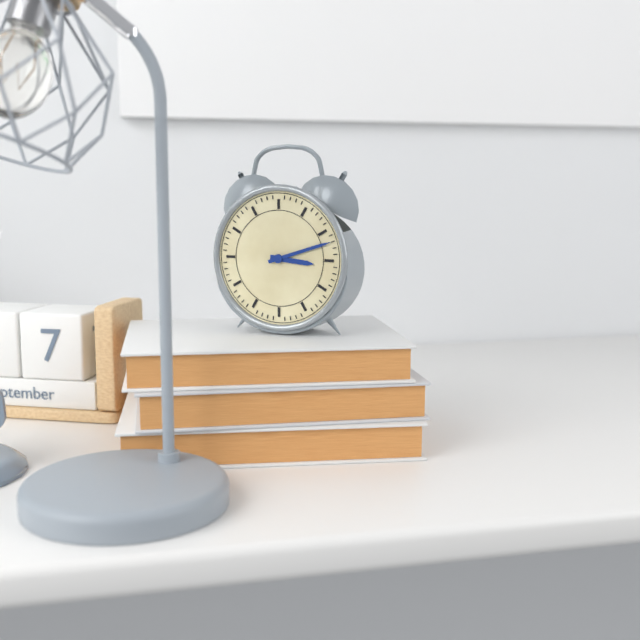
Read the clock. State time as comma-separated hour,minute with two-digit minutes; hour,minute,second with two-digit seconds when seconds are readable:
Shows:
3,12
